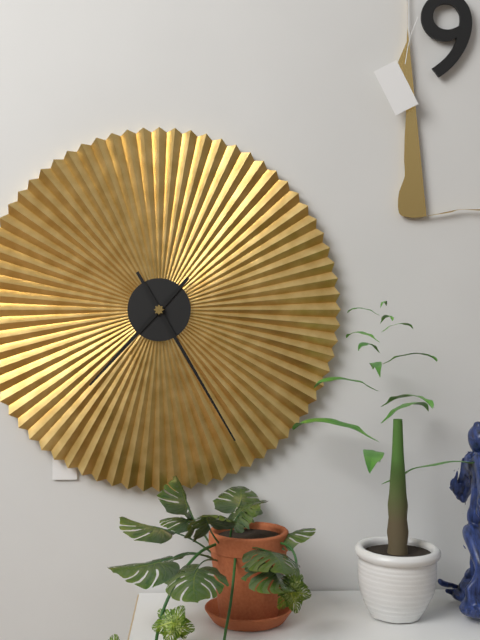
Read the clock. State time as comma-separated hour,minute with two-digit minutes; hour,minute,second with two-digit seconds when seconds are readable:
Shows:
7,25
